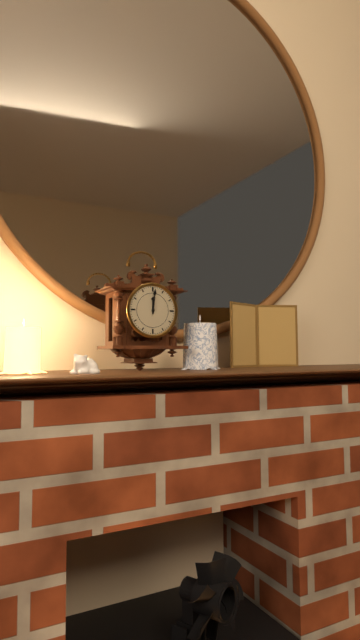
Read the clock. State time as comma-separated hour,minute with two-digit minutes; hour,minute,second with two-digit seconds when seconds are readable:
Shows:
12,01
